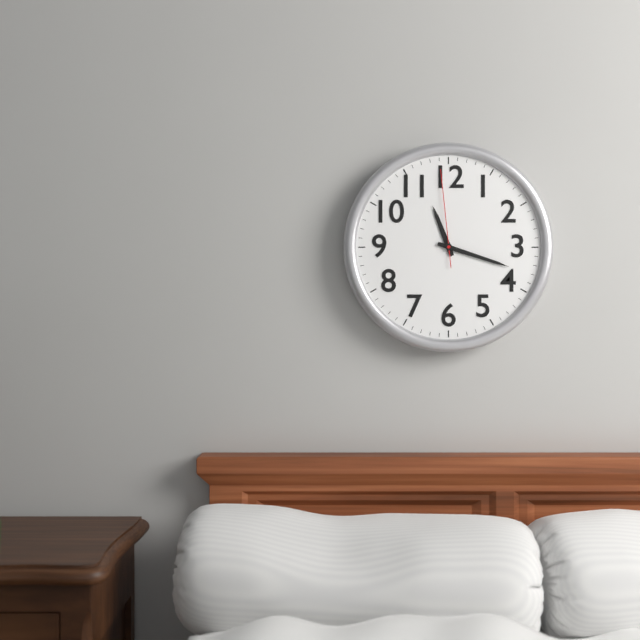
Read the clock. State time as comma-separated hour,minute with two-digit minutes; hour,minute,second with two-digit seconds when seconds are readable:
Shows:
11,18,59
